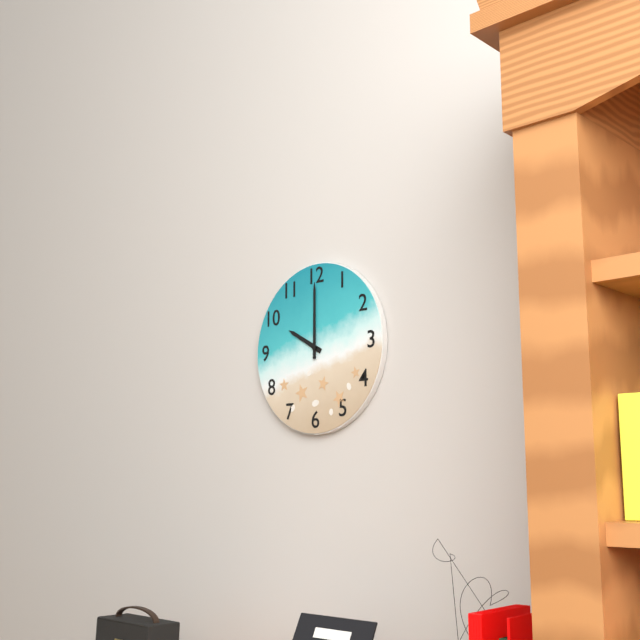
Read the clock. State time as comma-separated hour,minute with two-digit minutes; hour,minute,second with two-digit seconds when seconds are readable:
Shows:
10,00
